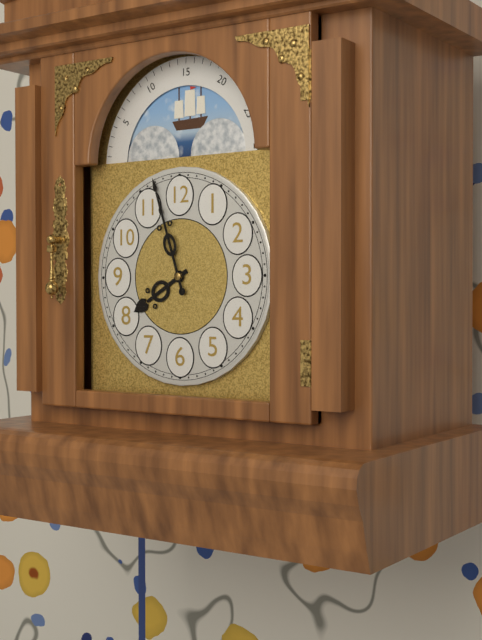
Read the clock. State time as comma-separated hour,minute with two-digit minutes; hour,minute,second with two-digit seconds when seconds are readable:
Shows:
7,57
